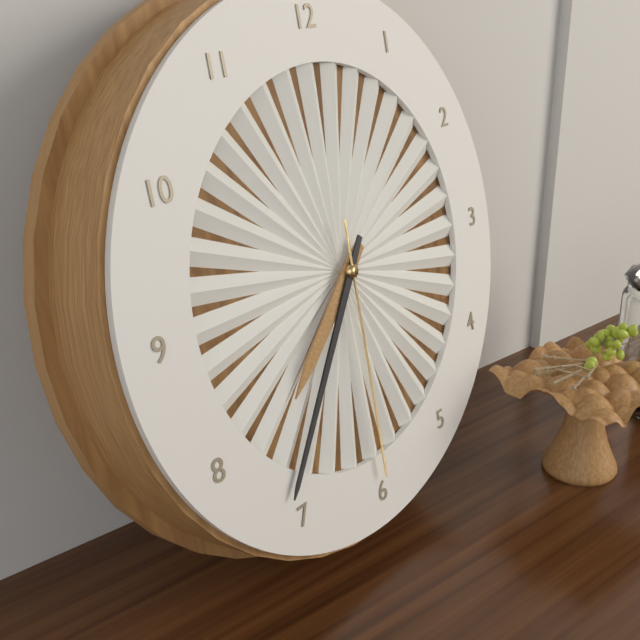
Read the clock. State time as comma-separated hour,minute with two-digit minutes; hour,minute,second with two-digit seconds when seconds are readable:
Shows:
7,36,30
